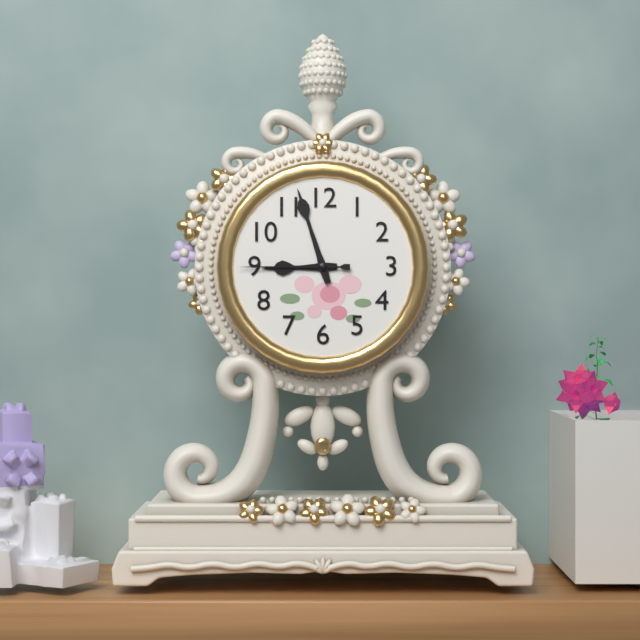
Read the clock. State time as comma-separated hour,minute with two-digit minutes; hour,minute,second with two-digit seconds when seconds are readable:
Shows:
8,57,45
